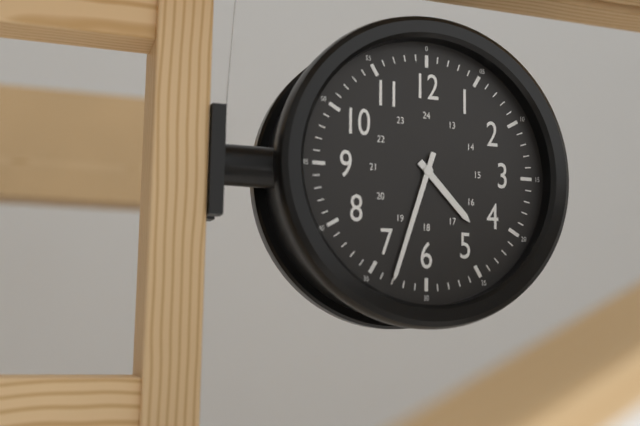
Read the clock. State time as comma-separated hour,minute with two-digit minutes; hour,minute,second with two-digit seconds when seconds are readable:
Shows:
4,33
